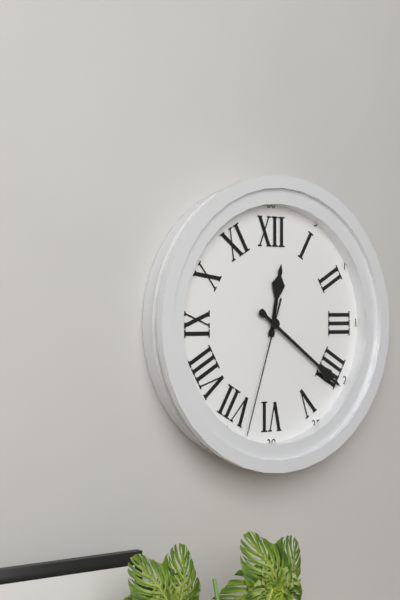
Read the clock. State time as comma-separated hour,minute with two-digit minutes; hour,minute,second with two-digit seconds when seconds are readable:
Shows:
12,21,33
